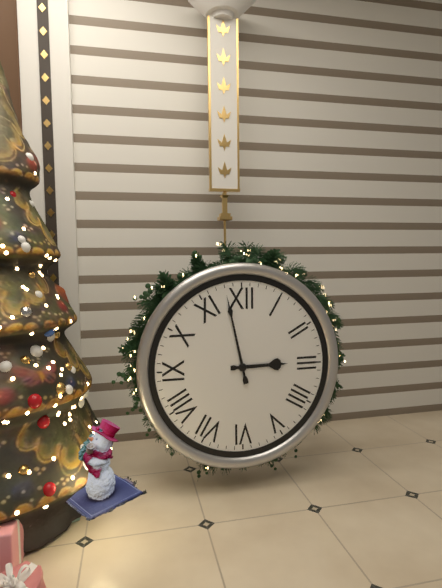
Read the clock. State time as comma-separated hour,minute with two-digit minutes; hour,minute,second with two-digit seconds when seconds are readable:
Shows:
2,58
